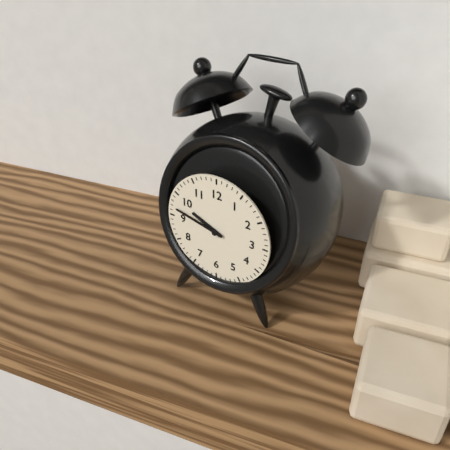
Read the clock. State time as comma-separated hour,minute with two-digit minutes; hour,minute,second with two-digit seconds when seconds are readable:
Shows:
9,47
